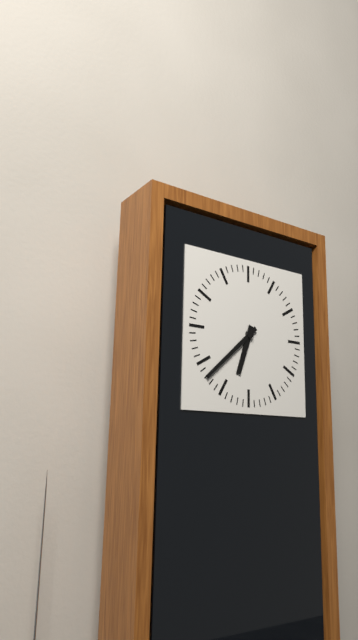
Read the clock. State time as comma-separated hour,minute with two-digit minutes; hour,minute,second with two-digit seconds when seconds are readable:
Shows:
6,38
